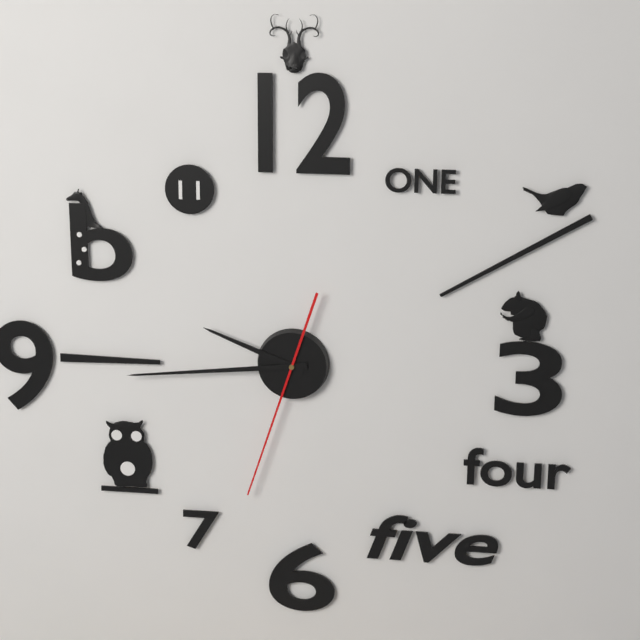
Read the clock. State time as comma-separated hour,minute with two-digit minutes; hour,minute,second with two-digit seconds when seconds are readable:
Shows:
9,44,33
